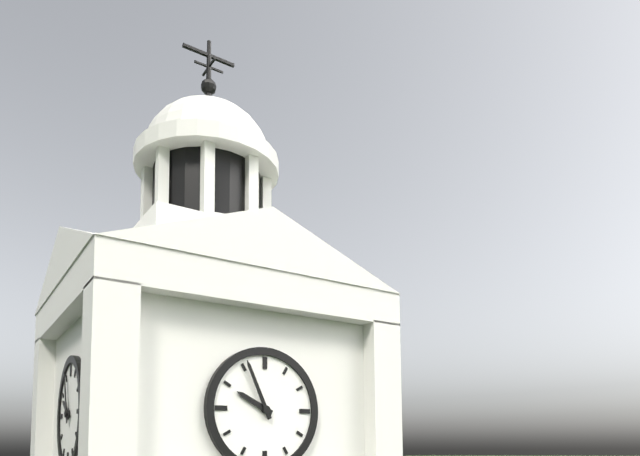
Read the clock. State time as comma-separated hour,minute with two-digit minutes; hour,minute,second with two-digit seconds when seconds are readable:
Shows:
9,56
